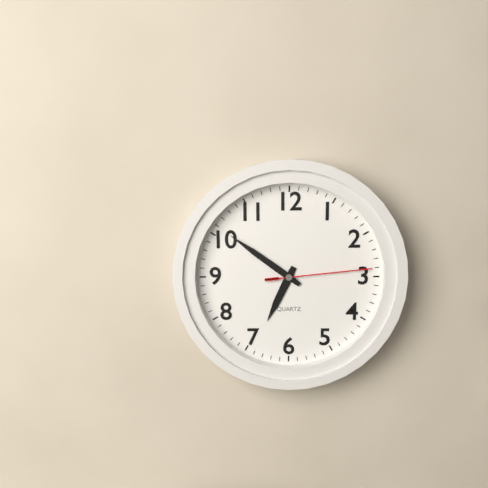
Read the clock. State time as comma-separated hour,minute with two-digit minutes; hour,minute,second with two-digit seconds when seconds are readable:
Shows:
6,51,14
